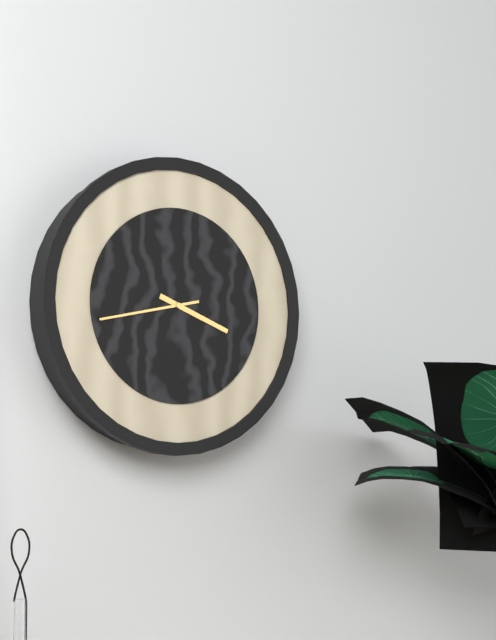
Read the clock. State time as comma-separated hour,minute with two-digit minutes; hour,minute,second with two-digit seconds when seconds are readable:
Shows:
3,43
